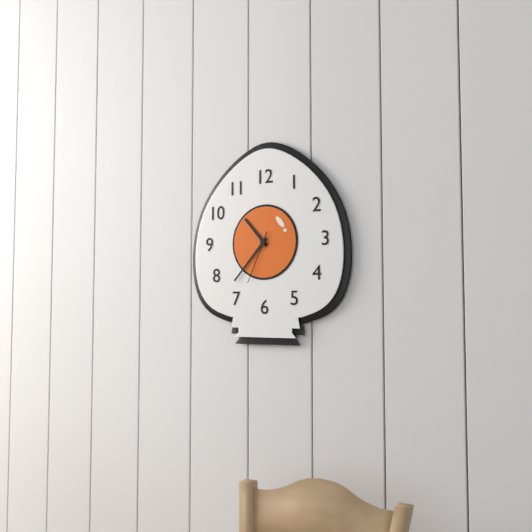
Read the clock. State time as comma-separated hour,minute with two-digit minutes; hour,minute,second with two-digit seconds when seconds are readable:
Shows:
10,37,34
